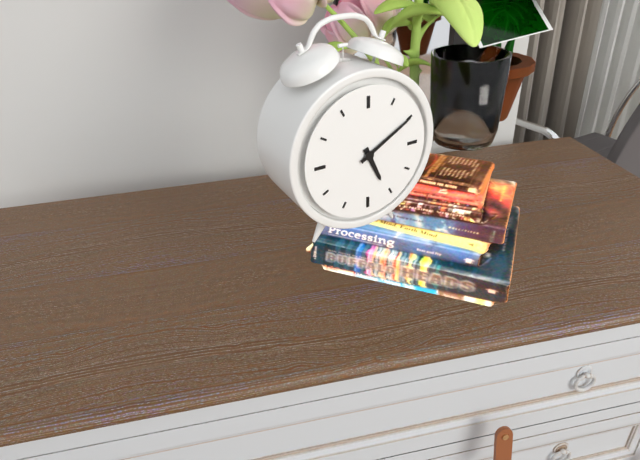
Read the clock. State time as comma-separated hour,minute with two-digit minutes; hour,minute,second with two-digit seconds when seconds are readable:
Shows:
5,10
